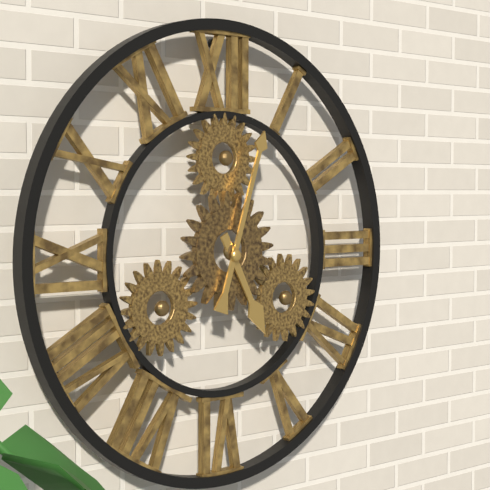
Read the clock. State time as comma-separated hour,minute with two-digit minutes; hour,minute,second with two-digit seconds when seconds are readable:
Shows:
5,03
